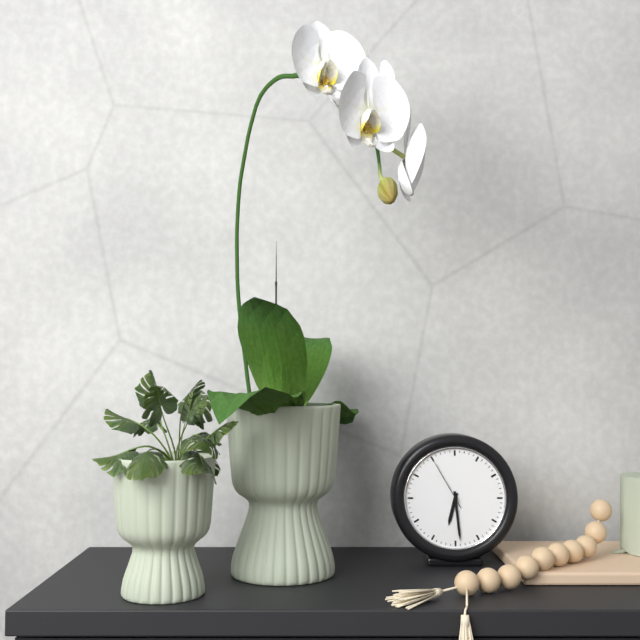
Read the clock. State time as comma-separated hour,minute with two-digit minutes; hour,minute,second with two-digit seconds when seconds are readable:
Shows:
6,29,55
